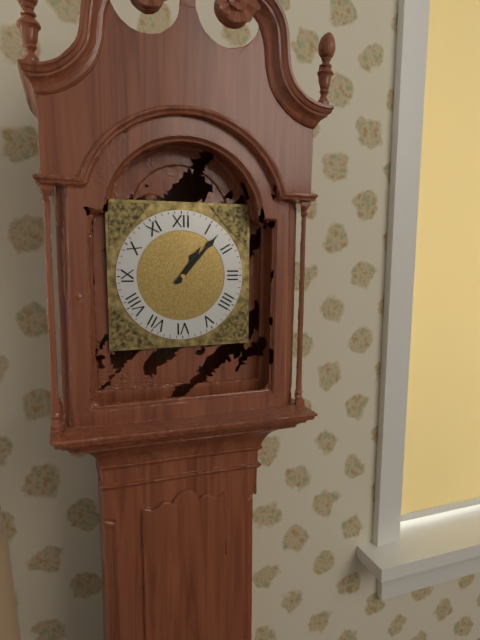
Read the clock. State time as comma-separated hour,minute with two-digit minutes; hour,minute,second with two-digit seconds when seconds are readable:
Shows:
1,07
